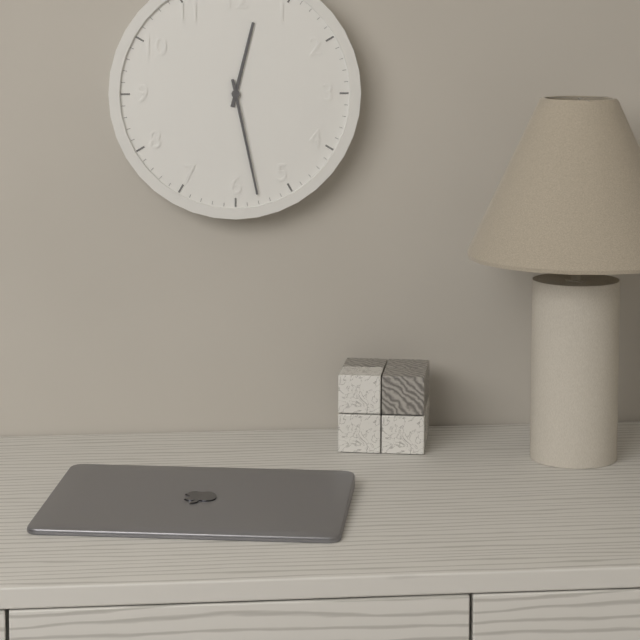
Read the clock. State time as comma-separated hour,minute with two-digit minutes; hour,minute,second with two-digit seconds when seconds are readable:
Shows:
12,28
